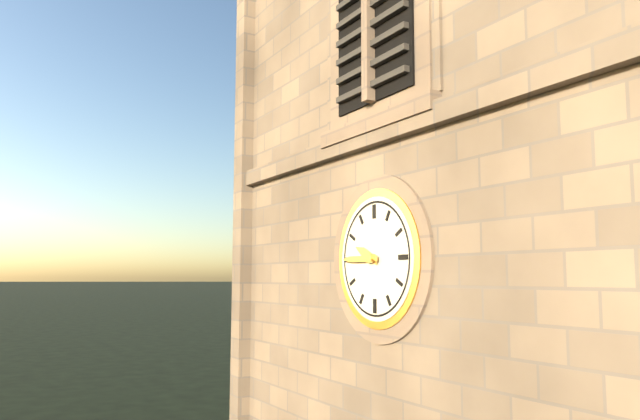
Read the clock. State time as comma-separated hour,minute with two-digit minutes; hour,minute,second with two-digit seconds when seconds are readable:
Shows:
9,45
